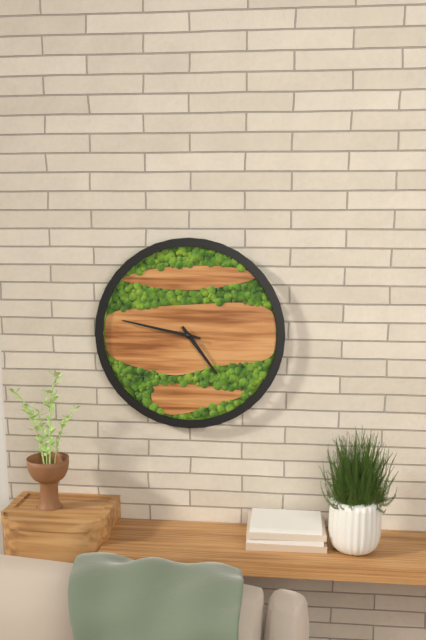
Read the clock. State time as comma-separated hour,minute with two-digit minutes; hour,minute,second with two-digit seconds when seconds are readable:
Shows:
4,47
